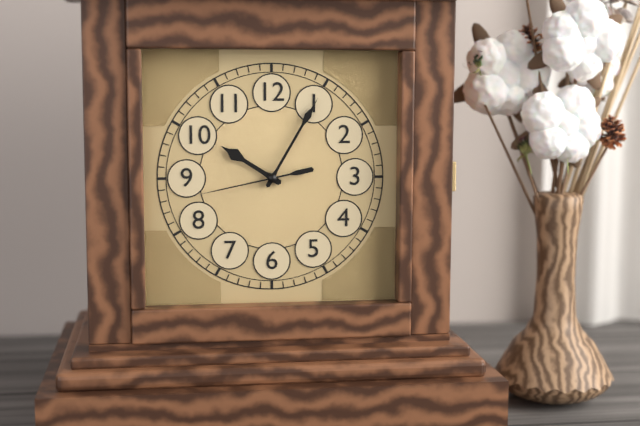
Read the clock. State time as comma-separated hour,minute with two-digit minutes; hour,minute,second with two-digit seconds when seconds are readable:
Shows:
10,05,43
